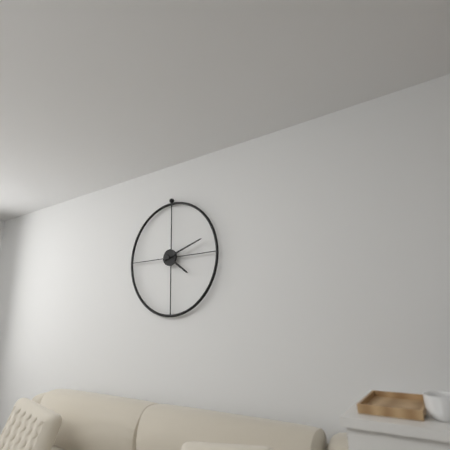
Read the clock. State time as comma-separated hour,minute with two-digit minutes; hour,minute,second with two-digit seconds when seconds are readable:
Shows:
4,12
